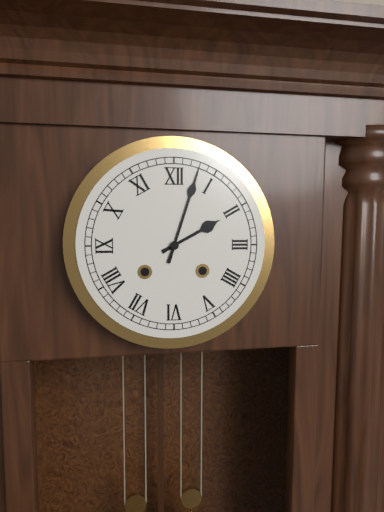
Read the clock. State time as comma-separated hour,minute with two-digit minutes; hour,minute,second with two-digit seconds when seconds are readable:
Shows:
2,03
